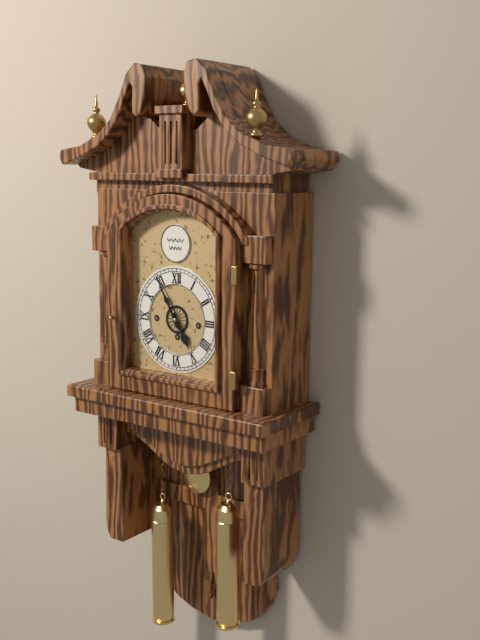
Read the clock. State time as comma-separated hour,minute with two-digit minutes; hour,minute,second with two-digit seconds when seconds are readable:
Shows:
4,55
